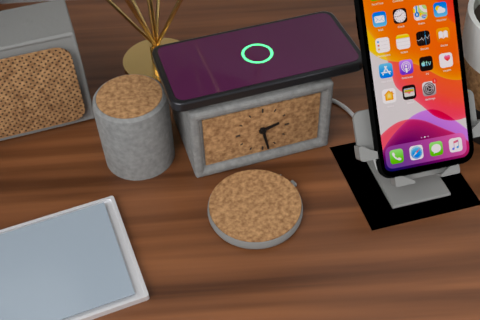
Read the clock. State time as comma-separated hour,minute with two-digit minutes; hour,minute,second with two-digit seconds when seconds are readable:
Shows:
2,28
